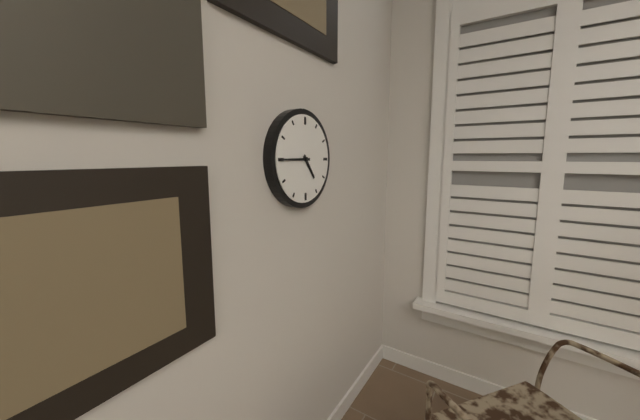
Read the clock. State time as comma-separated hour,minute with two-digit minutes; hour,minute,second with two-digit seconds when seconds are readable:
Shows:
4,45
